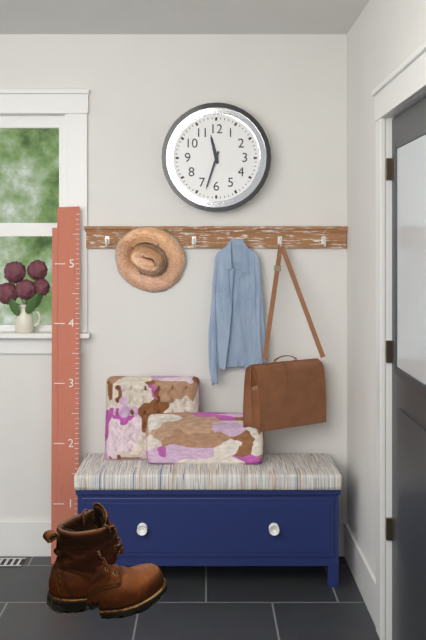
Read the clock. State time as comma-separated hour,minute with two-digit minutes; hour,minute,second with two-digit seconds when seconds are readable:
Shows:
11,33
